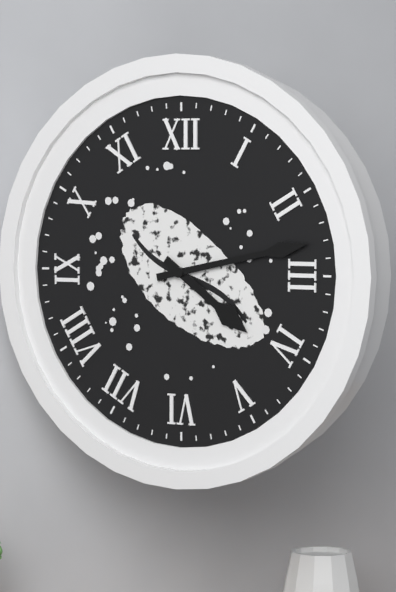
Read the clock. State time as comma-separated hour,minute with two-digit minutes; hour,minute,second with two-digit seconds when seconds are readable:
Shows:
4,13
